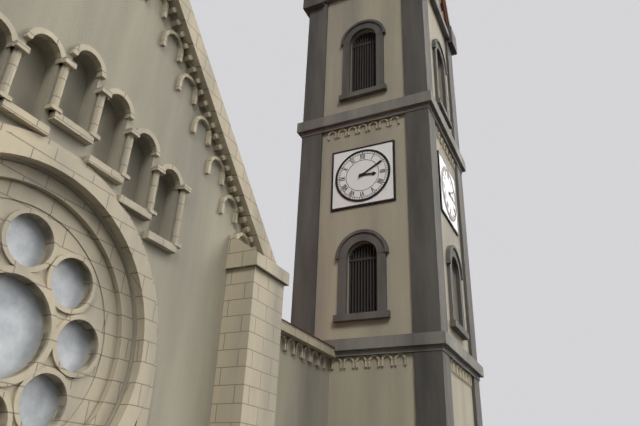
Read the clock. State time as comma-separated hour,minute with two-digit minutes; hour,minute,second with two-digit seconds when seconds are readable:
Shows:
3,10
